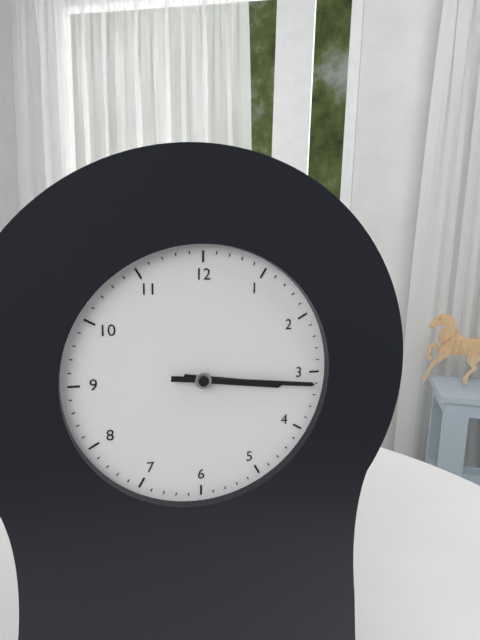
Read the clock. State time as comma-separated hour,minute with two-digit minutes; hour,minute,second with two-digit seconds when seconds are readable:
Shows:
3,16
